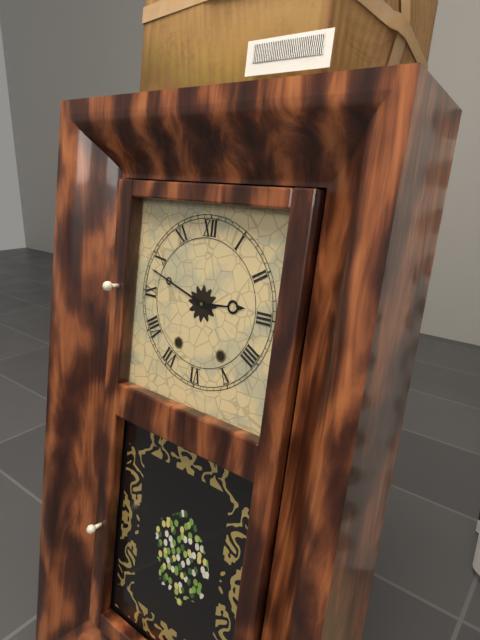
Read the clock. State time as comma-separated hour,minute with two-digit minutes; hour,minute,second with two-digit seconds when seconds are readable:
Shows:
2,48
